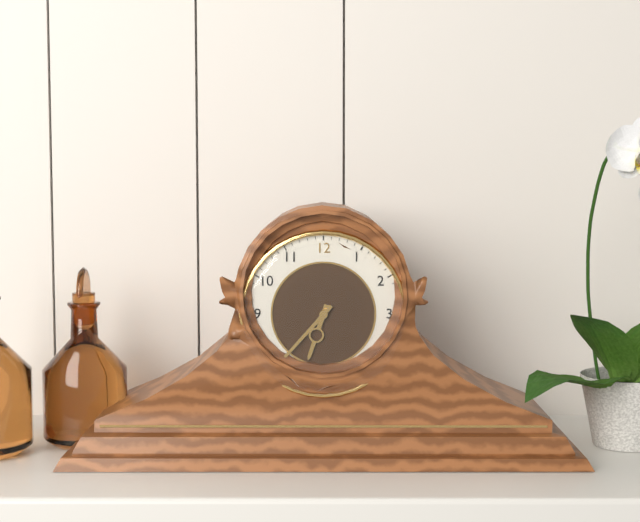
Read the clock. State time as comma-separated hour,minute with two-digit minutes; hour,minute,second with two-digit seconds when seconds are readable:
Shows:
6,37
